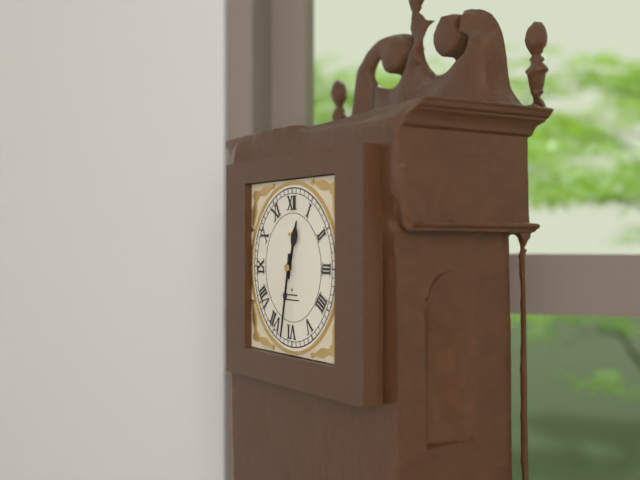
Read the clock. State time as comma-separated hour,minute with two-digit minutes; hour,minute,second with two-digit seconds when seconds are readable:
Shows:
12,32
